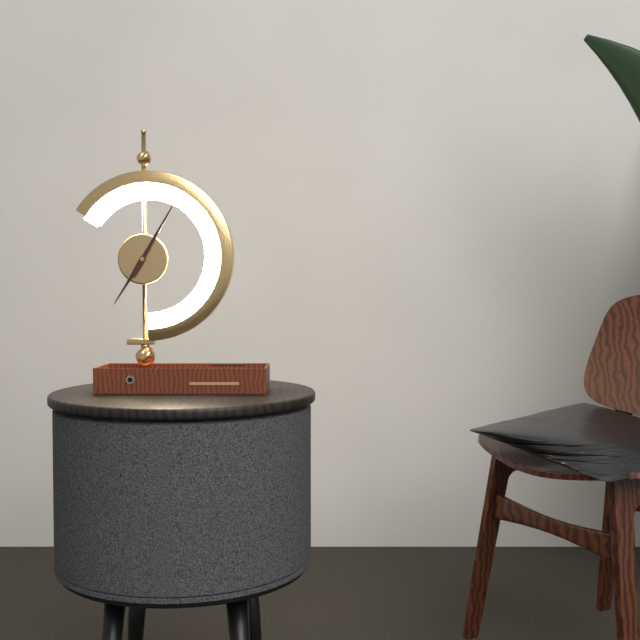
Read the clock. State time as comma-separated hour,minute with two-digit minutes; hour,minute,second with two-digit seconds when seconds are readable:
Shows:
7,05
